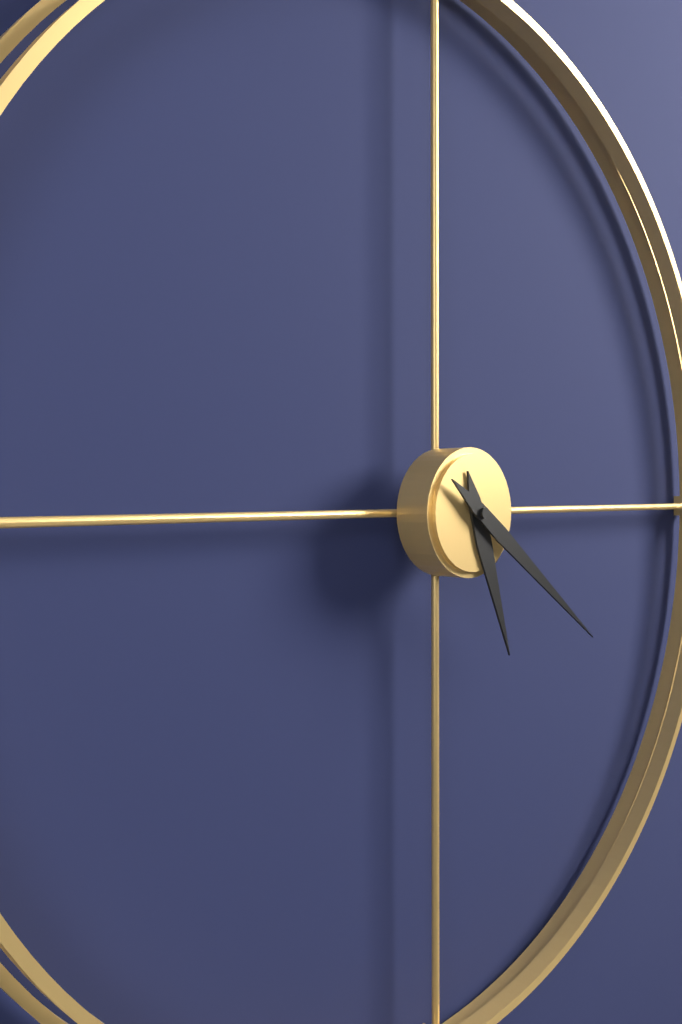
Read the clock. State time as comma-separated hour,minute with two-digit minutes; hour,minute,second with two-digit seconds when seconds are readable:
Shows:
5,21
